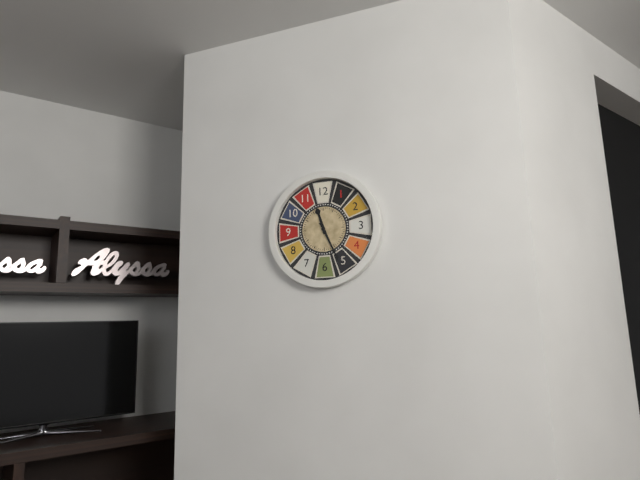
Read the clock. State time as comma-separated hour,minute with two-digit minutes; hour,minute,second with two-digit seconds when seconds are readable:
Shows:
11,26
